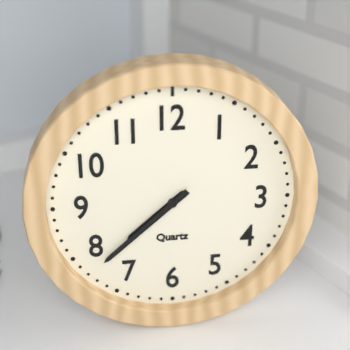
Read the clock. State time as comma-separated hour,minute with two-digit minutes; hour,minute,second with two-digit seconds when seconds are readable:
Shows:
7,38
